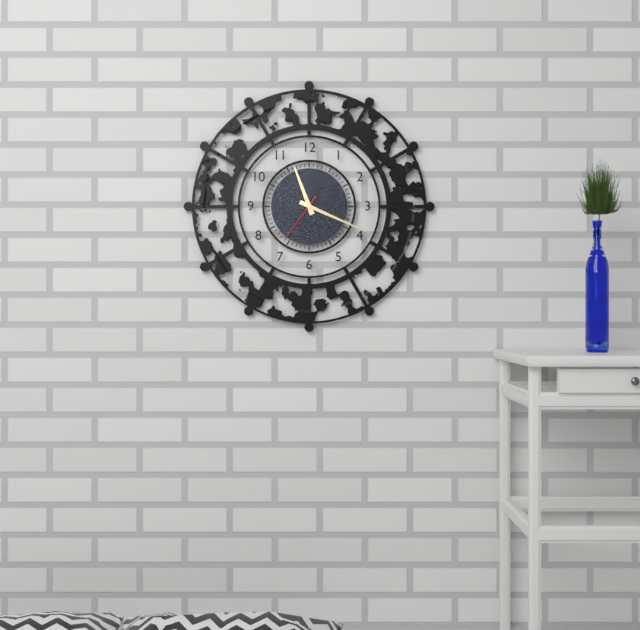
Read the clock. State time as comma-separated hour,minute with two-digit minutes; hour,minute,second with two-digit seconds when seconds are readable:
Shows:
11,19,36
